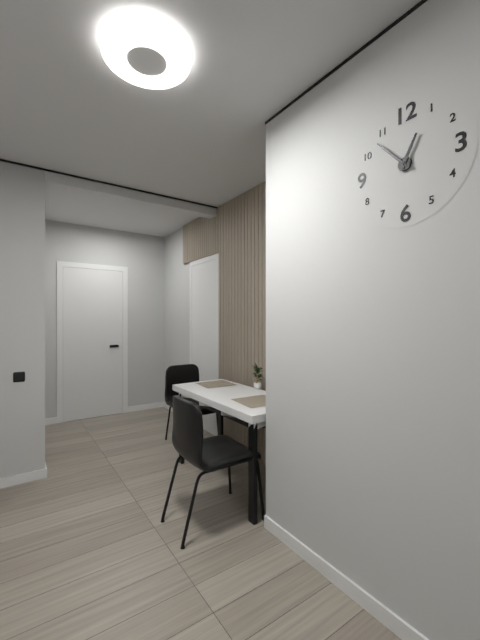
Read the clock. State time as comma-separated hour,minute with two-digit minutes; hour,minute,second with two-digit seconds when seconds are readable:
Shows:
12,53
